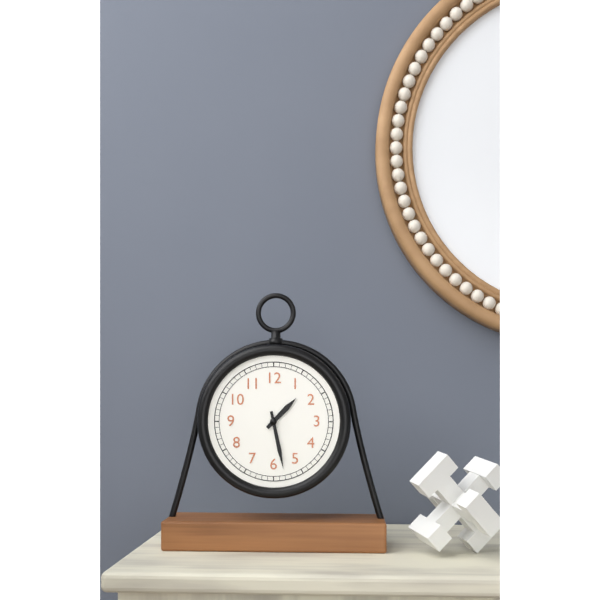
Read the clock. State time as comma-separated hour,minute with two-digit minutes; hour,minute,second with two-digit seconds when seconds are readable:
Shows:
1,28
